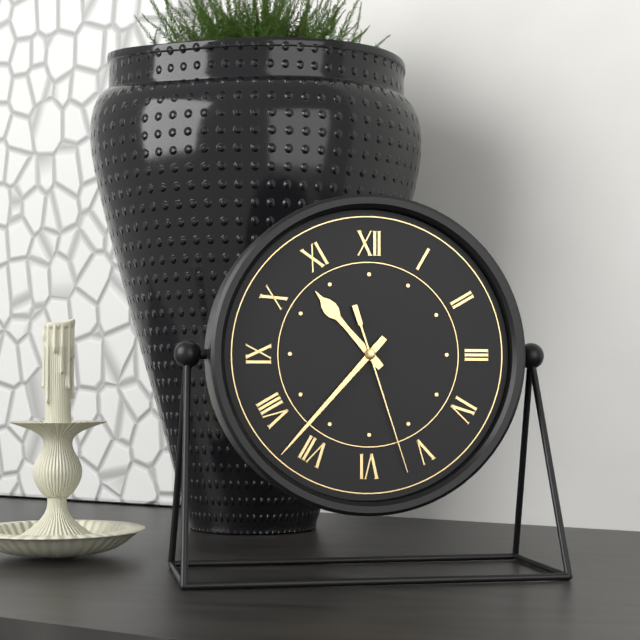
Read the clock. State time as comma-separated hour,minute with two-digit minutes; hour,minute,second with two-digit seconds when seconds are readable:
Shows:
10,37,27
